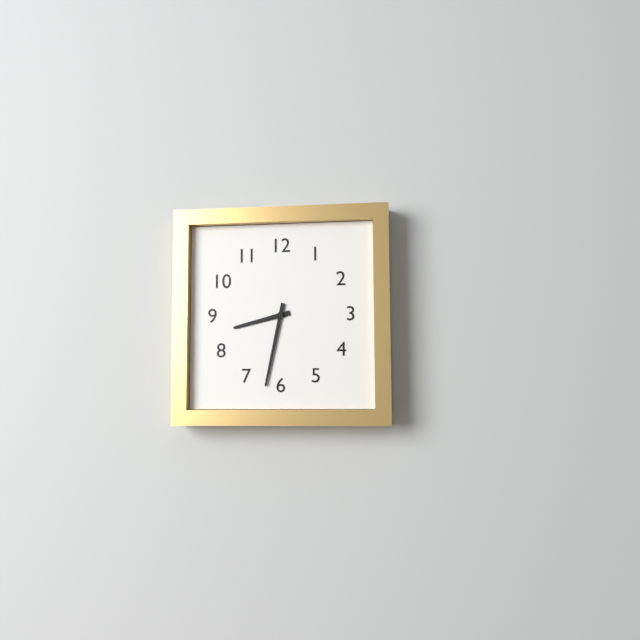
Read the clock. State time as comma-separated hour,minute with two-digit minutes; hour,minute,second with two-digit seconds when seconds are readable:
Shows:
8,32
